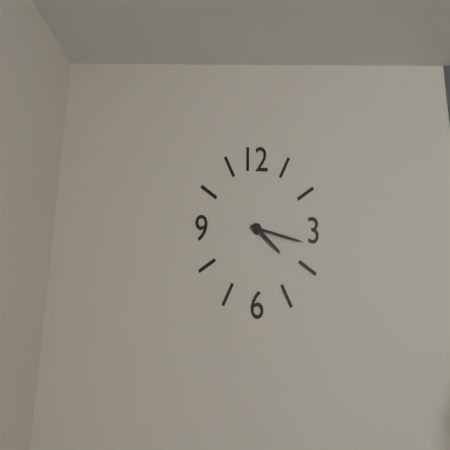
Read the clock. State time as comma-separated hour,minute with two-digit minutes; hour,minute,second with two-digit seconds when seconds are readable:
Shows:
4,17
